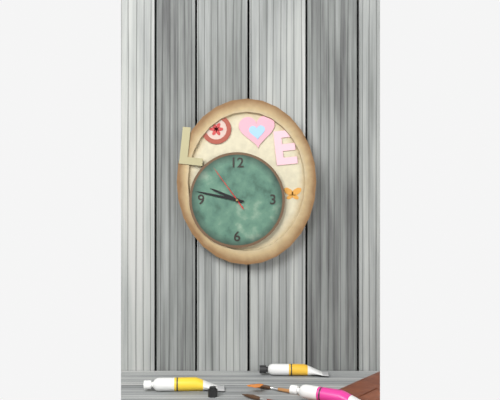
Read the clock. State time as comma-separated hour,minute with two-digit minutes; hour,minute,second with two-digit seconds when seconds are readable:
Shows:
9,47,54
